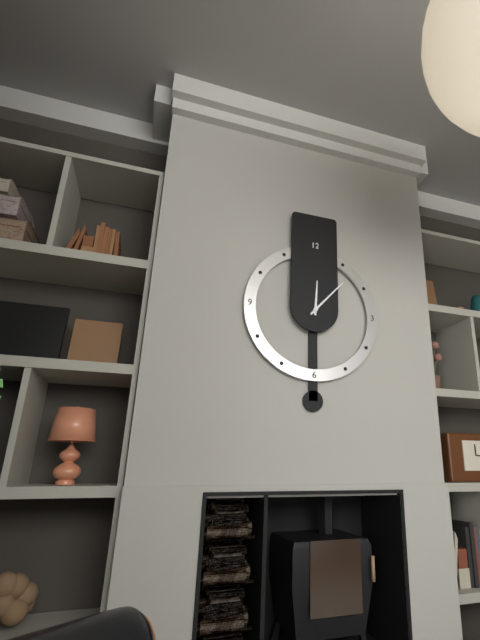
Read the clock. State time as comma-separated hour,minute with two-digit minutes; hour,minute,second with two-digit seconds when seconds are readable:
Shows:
12,07
